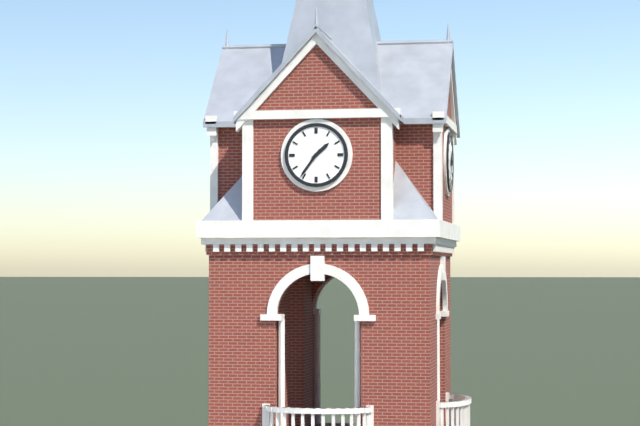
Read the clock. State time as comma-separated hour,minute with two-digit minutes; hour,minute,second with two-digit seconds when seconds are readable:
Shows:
1,36
